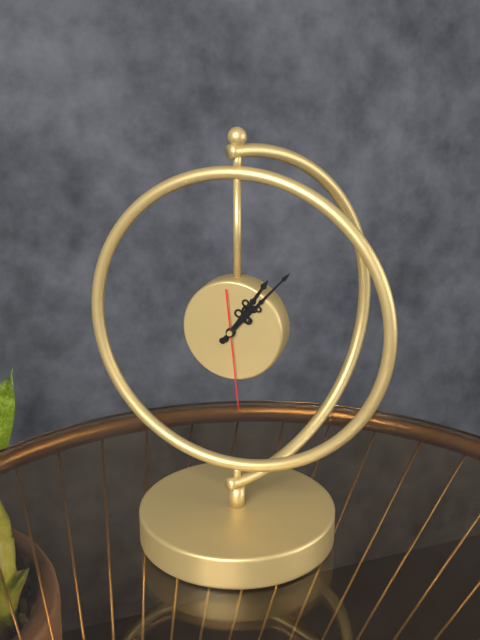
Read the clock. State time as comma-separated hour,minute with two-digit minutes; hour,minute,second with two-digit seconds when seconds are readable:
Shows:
1,07,29
